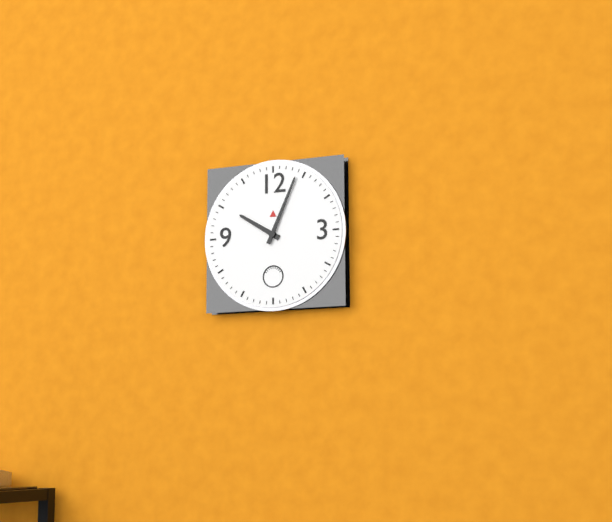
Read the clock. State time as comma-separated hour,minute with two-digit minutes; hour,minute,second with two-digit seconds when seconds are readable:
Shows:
10,04
